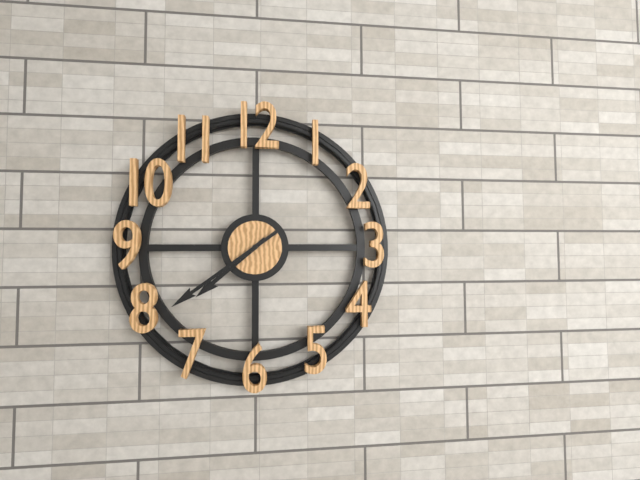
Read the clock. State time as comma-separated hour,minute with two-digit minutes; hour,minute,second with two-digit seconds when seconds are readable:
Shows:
7,39
